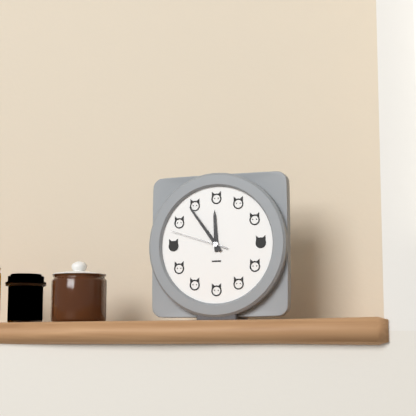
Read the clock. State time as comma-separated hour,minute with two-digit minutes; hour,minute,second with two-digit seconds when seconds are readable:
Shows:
11,54,48
